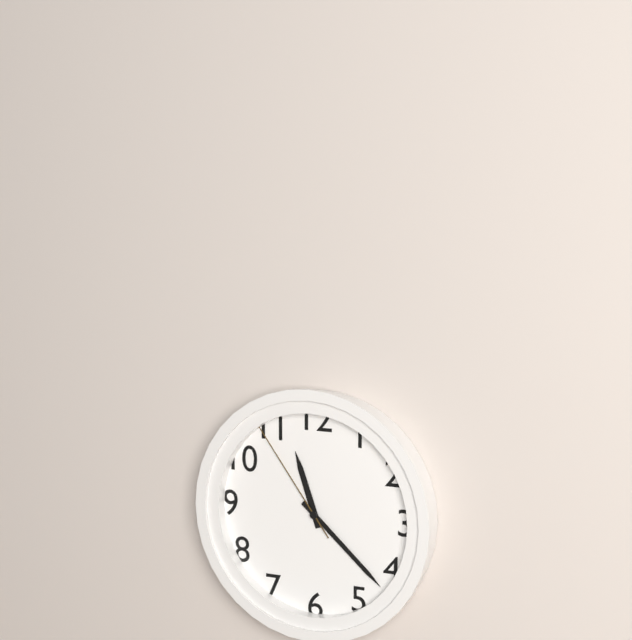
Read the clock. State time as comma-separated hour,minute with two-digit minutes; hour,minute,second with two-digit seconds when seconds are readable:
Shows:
11,22,54
